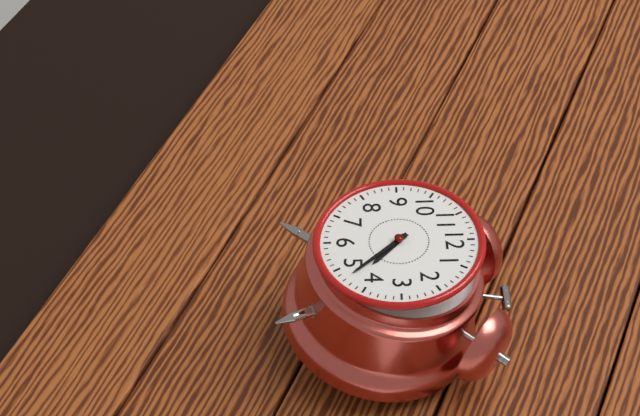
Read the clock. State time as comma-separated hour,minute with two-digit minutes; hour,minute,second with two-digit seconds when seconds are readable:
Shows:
4,23
